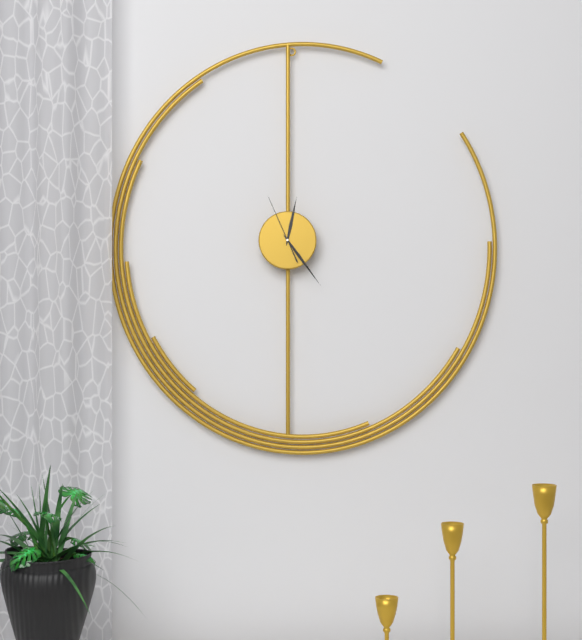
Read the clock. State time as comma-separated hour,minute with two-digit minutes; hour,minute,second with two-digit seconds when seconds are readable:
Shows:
12,24,56
